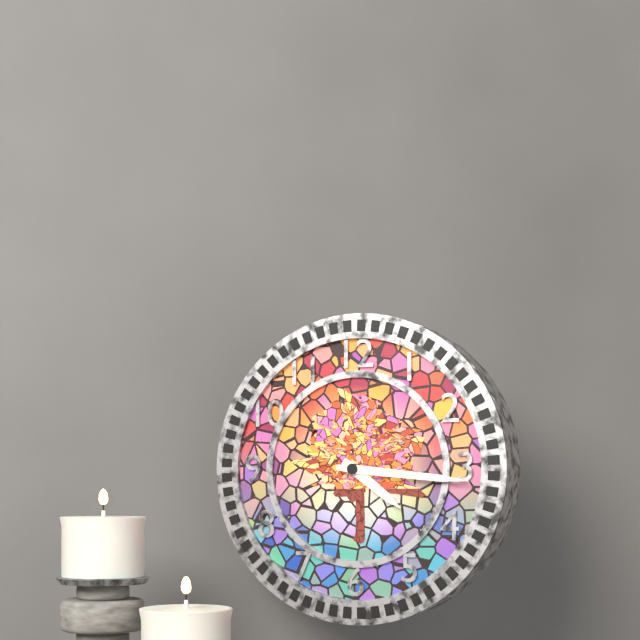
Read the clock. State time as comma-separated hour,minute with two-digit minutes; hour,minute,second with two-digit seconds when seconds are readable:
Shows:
4,16
